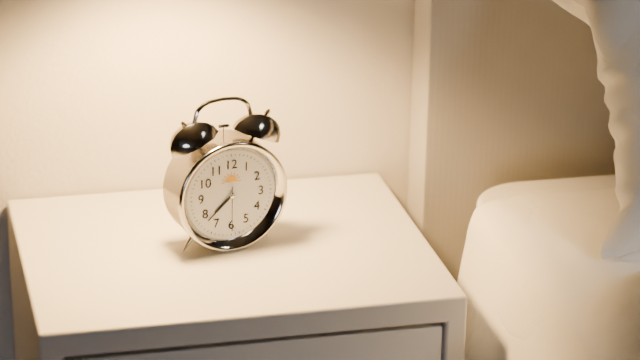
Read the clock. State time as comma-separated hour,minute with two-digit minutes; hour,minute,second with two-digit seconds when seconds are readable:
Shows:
7,38
